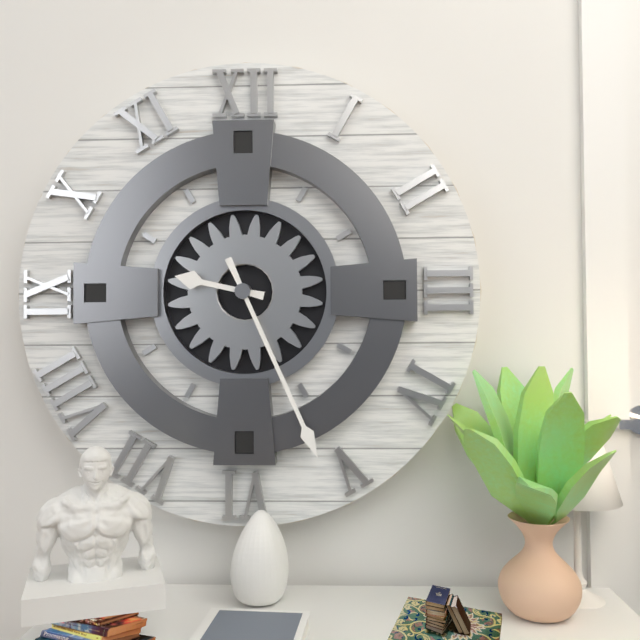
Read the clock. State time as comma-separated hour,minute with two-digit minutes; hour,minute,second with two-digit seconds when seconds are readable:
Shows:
9,26
